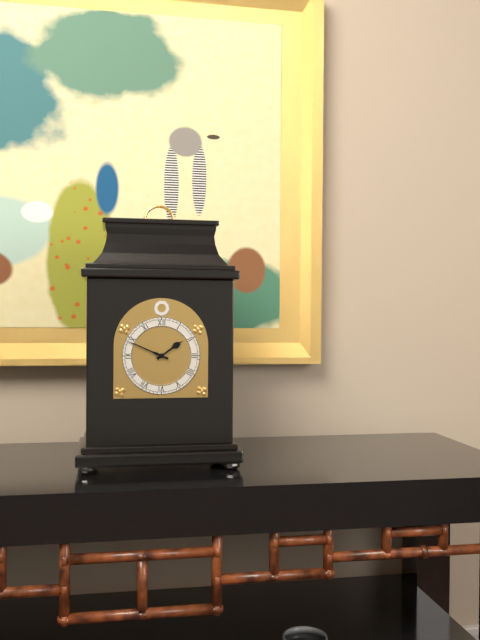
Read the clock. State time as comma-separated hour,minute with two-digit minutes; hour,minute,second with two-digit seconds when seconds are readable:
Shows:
1,49
